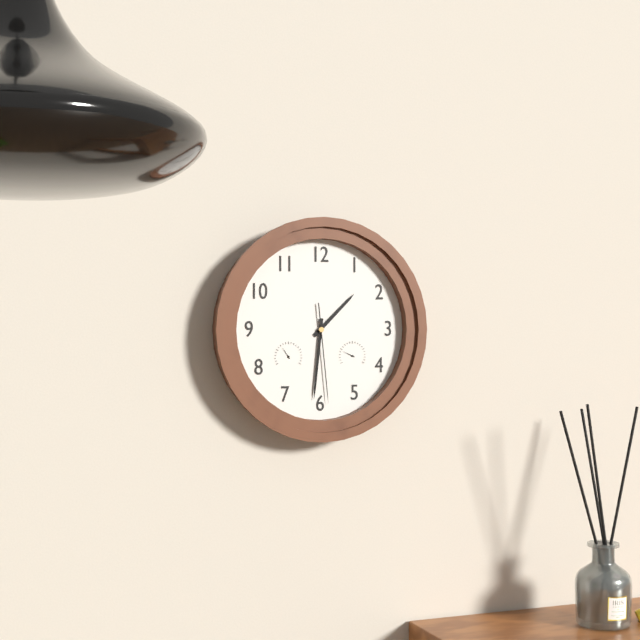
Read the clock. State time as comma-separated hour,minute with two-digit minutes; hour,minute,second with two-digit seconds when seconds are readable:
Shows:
1,31,29
